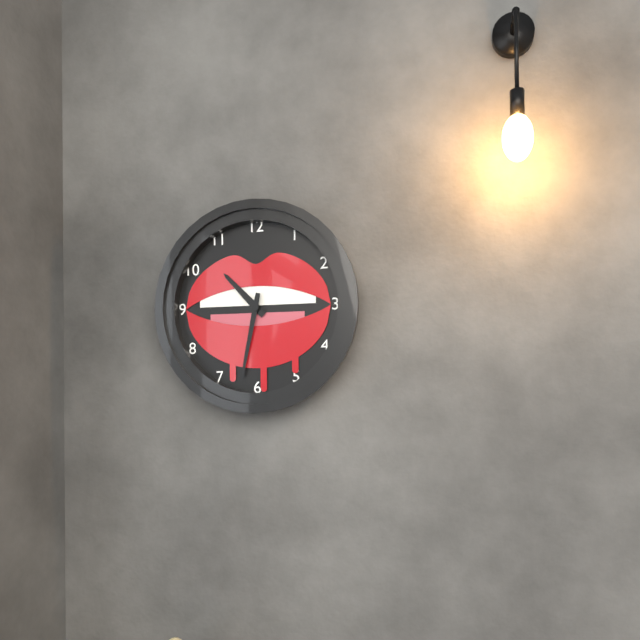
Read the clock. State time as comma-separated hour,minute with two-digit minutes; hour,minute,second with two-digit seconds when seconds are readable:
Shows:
10,32
